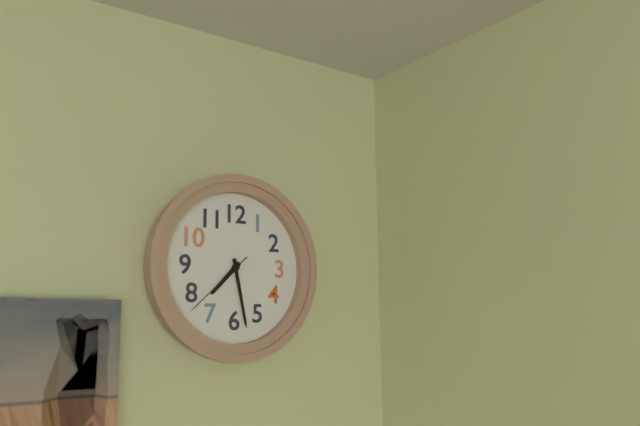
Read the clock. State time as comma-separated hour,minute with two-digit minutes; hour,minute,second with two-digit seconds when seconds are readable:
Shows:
7,28,38
